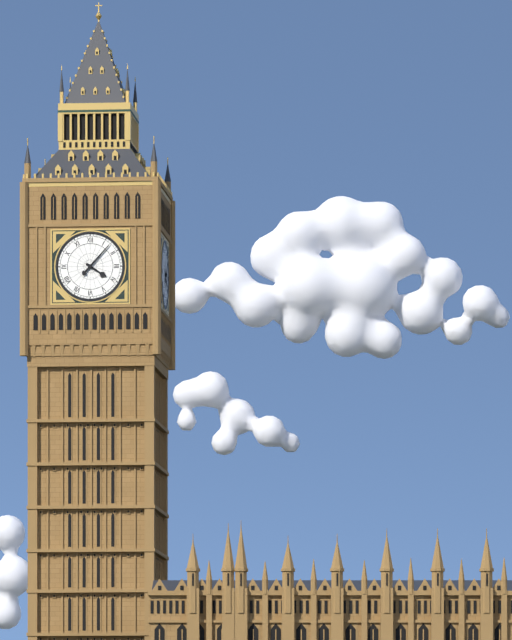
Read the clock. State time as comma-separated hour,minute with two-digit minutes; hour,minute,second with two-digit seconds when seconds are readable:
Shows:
4,07
